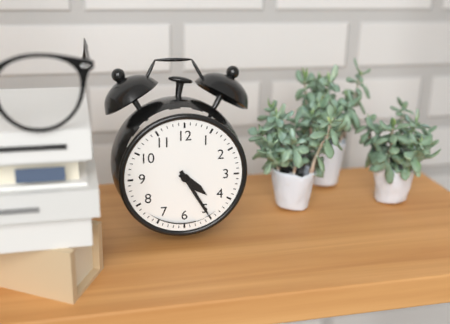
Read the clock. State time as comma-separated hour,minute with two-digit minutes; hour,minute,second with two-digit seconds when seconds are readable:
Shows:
4,25
